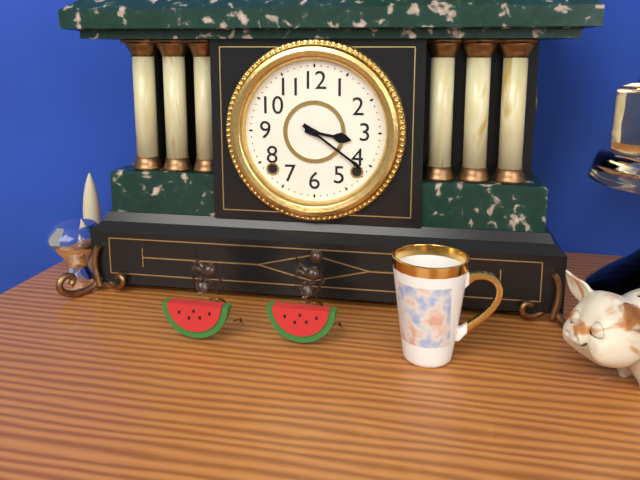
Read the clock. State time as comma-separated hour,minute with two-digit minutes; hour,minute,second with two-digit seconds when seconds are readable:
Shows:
3,21
